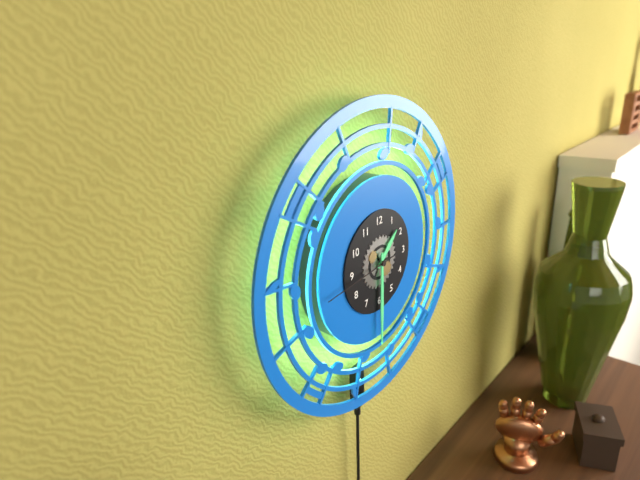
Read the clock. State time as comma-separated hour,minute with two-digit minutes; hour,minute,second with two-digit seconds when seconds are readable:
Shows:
1,30,44
